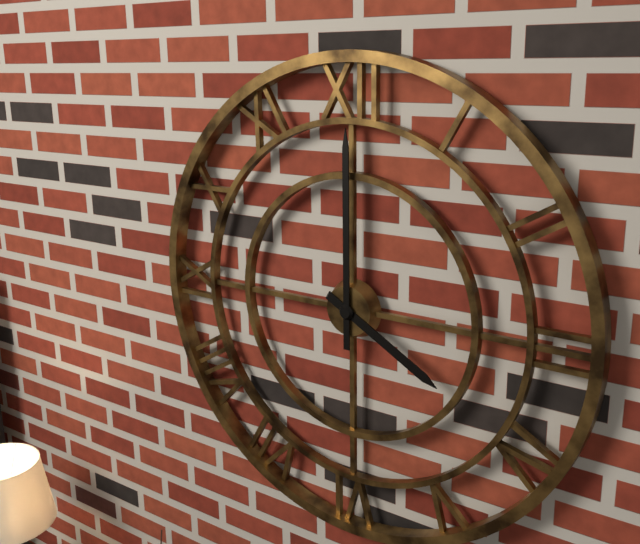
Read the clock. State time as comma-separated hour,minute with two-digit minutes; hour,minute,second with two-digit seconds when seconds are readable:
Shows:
4,00
